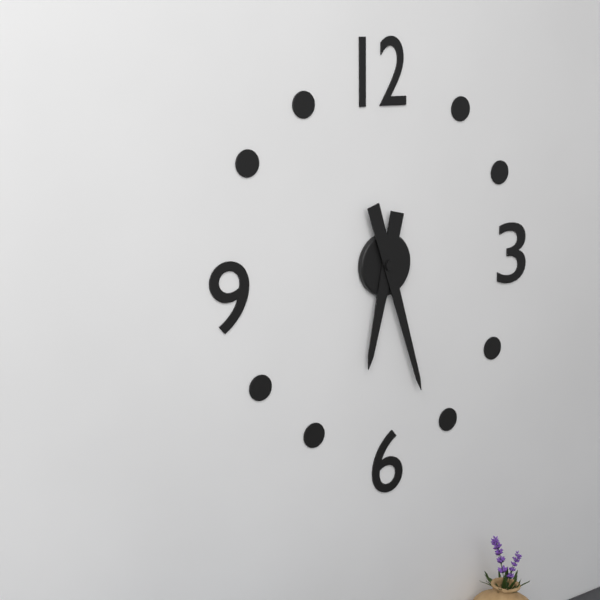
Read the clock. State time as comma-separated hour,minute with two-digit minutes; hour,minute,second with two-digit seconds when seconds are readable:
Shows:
6,27
